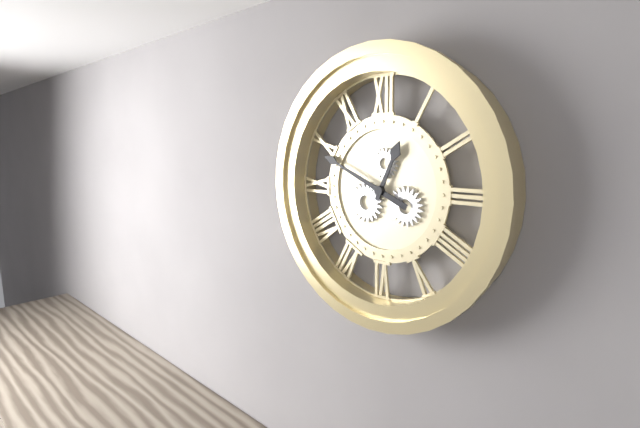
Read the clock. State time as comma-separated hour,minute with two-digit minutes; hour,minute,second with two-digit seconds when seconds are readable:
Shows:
12,49
